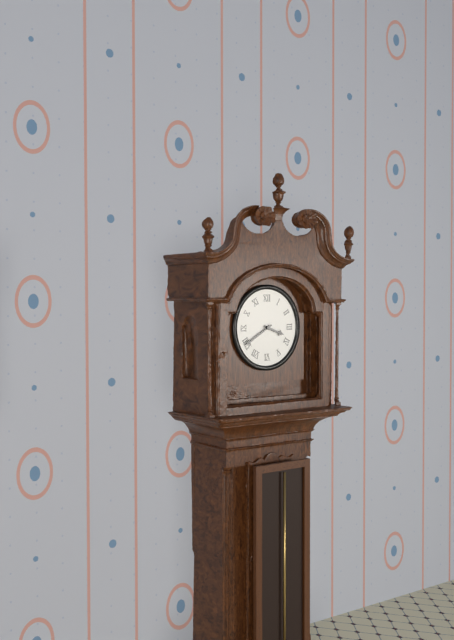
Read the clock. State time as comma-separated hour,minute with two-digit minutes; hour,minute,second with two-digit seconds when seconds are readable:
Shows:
3,40
